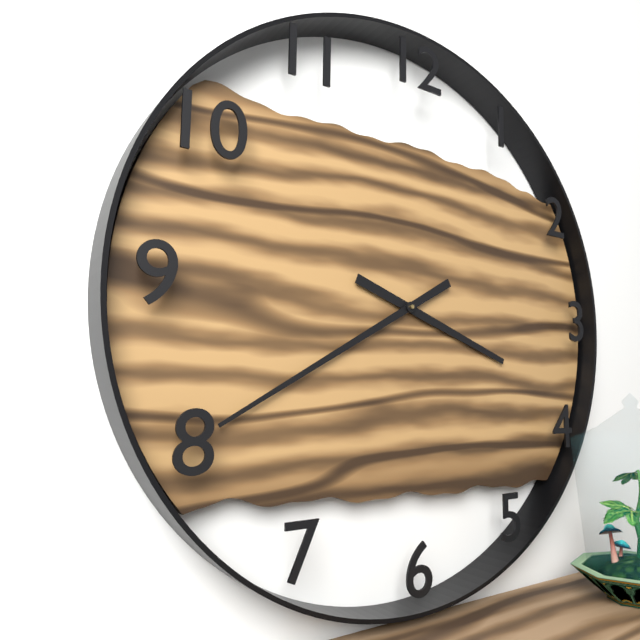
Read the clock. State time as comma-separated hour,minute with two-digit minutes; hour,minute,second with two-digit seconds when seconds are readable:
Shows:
3,40
